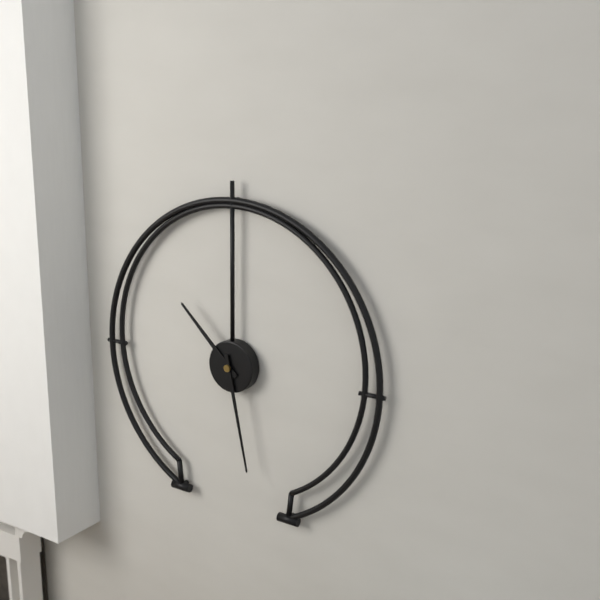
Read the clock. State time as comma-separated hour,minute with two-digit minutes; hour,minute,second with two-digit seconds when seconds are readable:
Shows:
10,28
